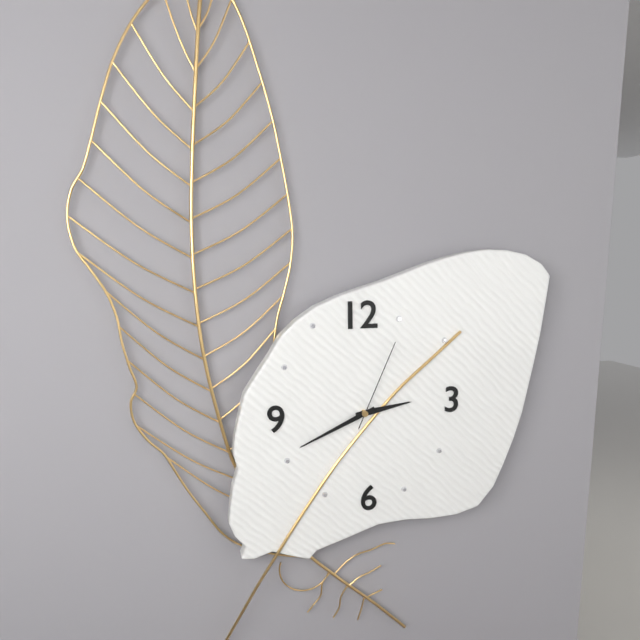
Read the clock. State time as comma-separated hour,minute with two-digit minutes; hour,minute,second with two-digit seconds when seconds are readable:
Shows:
2,41,04
